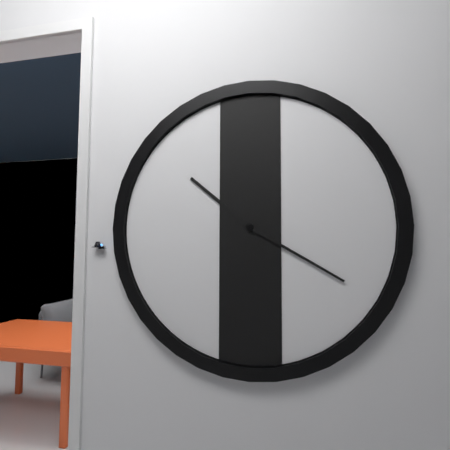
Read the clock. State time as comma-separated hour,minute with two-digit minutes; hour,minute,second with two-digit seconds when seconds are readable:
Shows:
10,20
